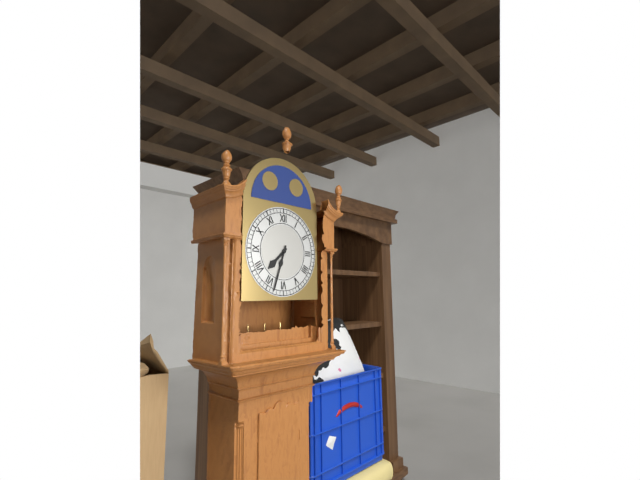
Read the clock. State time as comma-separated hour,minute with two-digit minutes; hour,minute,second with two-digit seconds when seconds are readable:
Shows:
7,33
